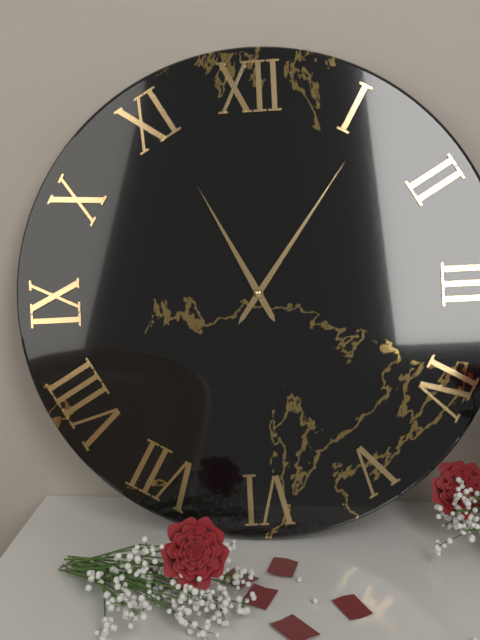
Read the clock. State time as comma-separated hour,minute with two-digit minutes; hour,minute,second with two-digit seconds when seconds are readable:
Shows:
11,06
